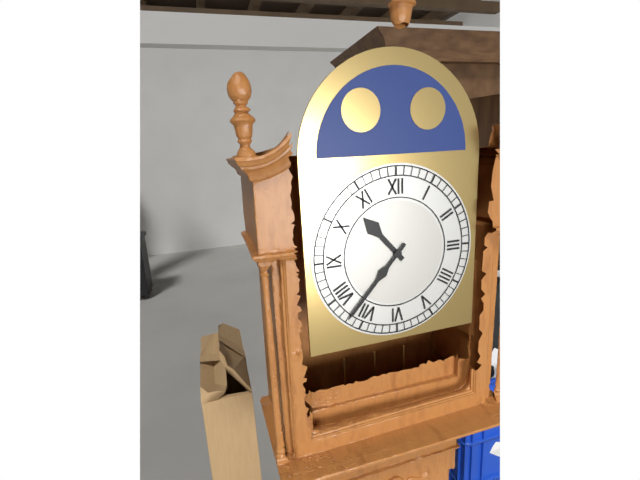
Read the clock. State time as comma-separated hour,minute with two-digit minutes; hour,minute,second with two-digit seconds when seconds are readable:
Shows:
10,37
